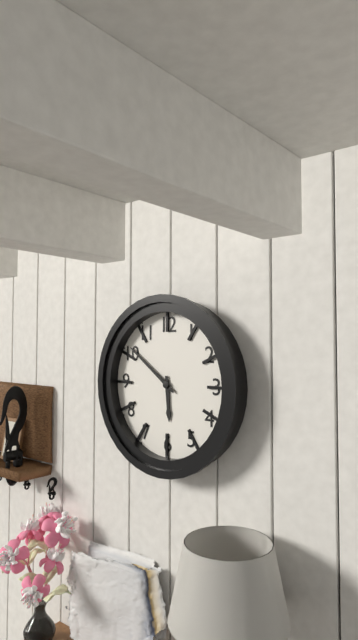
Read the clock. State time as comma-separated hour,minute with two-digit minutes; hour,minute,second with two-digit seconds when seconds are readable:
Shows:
5,51
